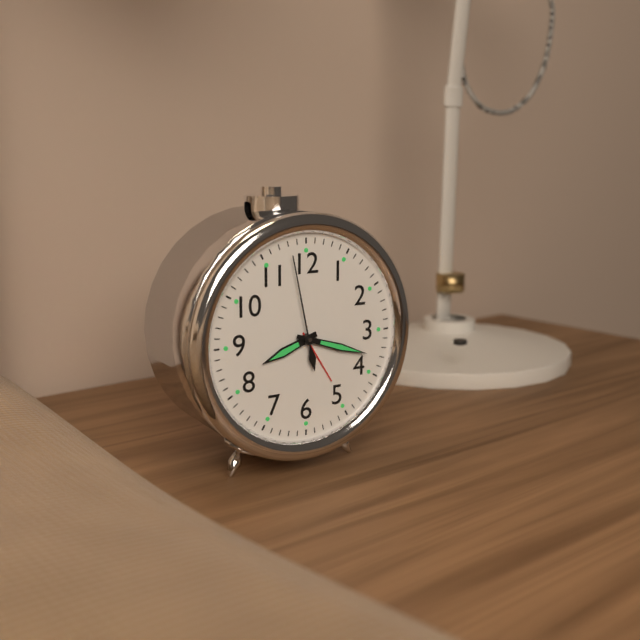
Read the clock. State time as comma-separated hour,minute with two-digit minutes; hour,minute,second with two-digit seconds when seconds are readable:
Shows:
8,18,58
